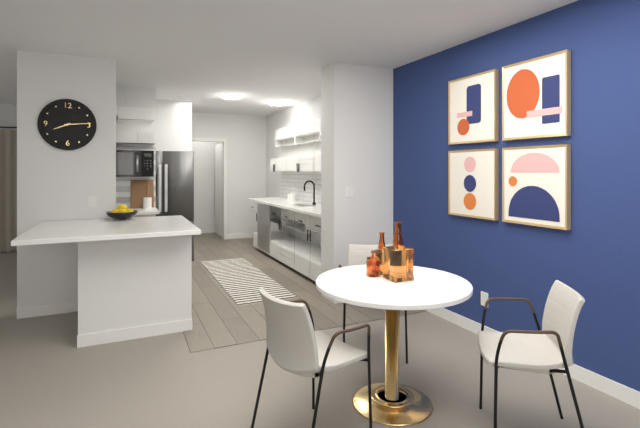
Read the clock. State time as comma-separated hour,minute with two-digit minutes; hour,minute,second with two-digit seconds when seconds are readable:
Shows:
8,14
